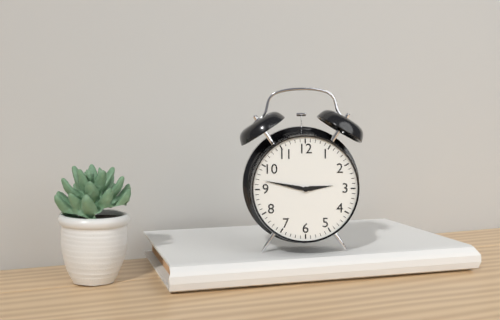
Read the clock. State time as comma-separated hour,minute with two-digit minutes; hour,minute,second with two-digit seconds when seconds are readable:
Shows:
2,47
